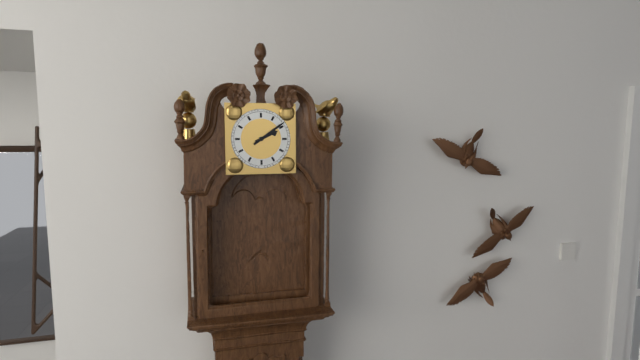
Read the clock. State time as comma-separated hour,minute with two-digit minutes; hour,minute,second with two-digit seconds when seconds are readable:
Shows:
2,09
